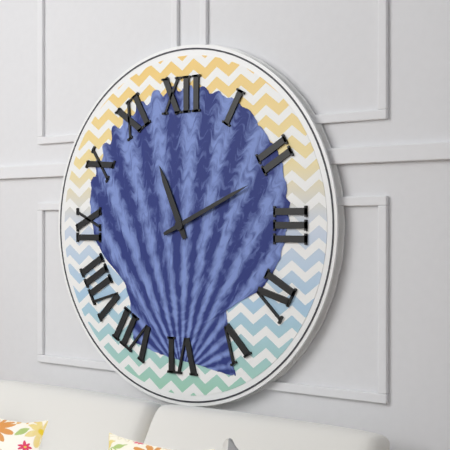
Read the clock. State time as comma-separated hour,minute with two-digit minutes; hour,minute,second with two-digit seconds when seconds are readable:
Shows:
11,11
